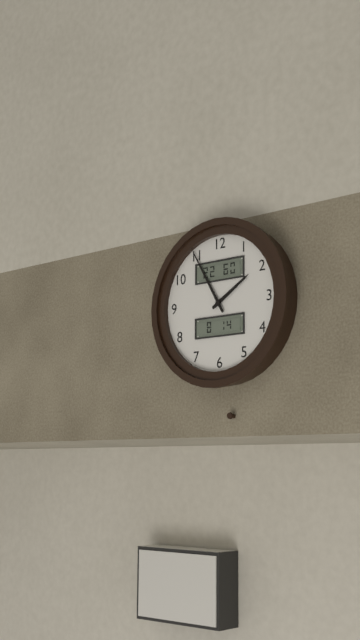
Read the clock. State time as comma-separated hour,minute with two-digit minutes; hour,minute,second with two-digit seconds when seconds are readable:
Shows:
1,55
